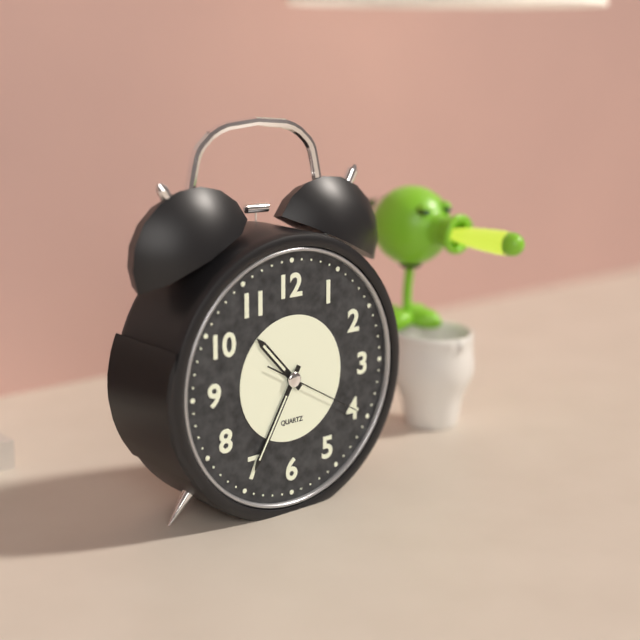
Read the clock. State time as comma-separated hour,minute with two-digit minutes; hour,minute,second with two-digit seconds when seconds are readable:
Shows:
10,35,20
